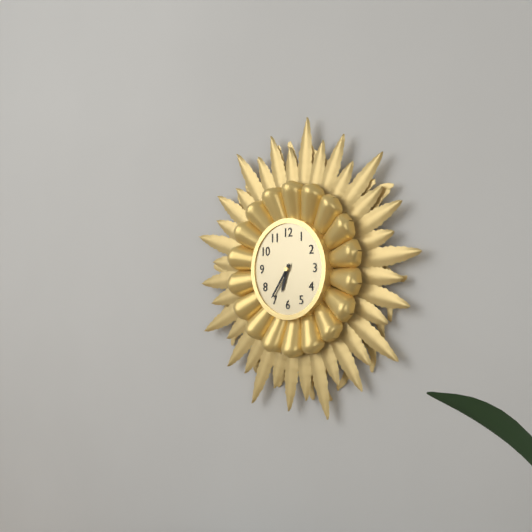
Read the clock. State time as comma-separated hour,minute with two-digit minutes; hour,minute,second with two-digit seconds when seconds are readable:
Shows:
6,36
